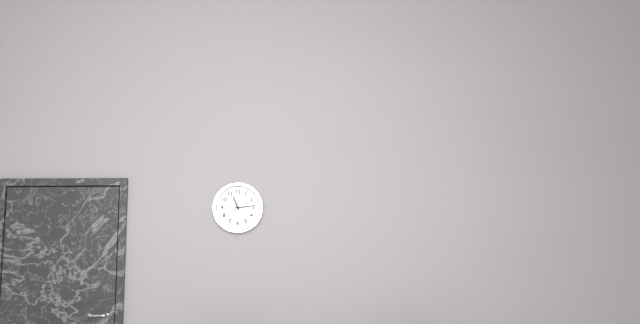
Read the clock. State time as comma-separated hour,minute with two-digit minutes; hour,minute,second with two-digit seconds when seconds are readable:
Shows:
11,14
